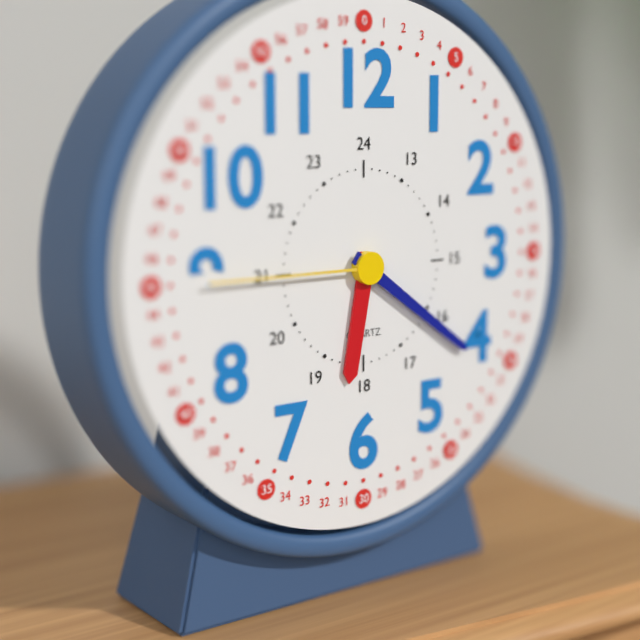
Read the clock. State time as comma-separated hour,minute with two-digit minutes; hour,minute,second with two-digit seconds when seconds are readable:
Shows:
6,21,45
